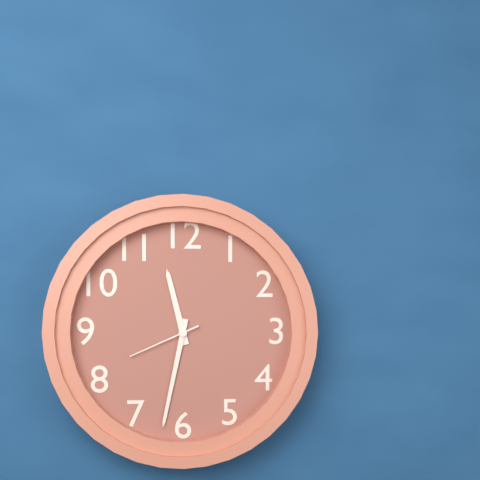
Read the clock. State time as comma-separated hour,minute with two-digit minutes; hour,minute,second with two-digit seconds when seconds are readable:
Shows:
11,32,41
